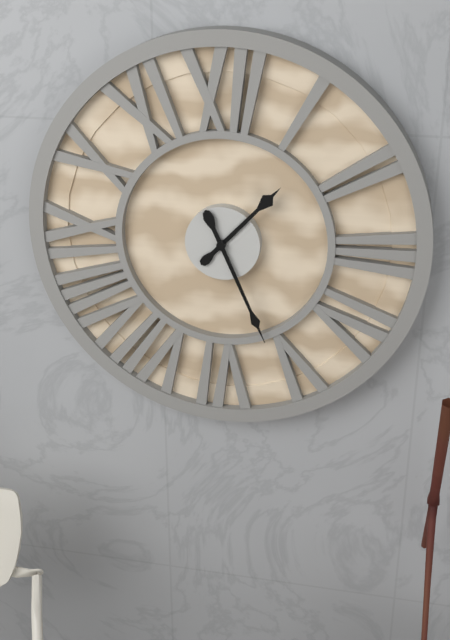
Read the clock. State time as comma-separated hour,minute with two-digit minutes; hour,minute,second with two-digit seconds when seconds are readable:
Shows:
1,26
